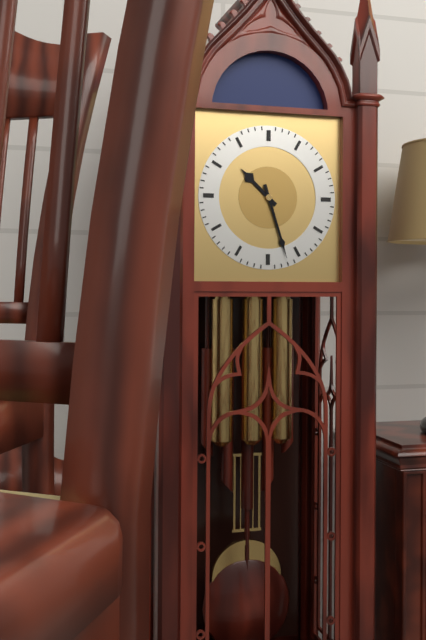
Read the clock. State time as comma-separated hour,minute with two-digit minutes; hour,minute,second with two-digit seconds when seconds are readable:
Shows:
10,27
